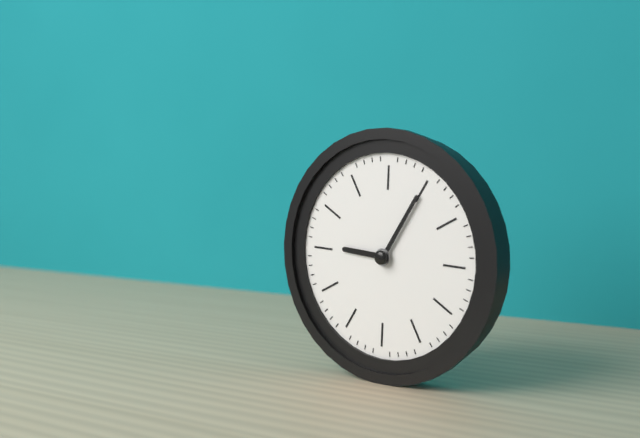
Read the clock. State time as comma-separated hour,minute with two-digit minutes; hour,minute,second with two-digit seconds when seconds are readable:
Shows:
9,05
